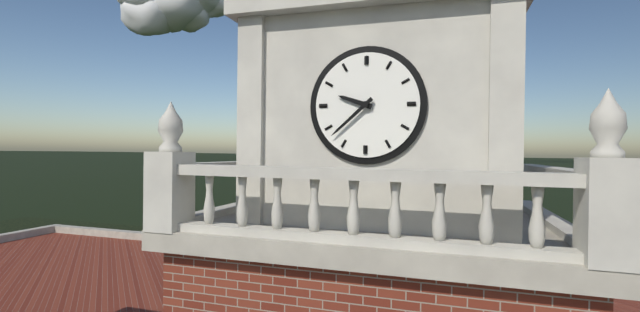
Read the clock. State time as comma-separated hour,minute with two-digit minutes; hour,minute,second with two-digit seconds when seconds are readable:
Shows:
9,38
